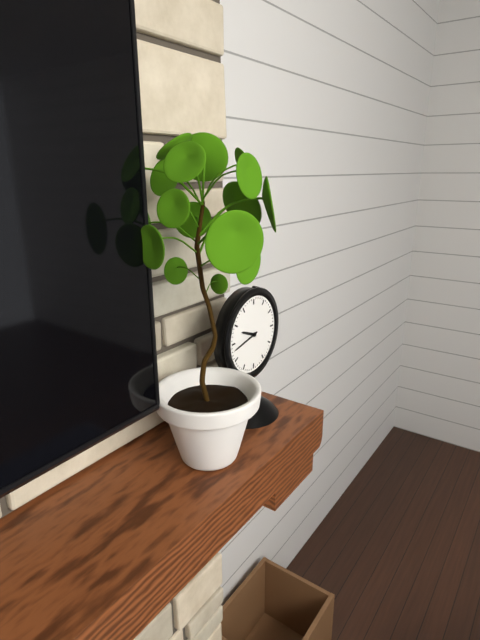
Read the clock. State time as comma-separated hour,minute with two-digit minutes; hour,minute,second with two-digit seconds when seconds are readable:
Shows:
9,43
